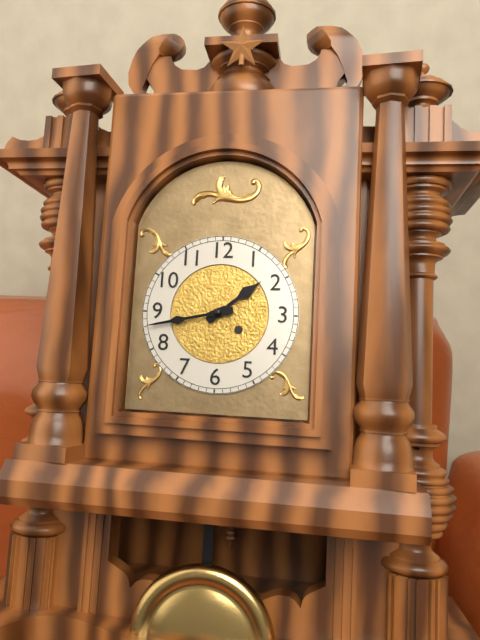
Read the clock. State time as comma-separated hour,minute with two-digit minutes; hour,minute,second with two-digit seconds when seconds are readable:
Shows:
1,43
